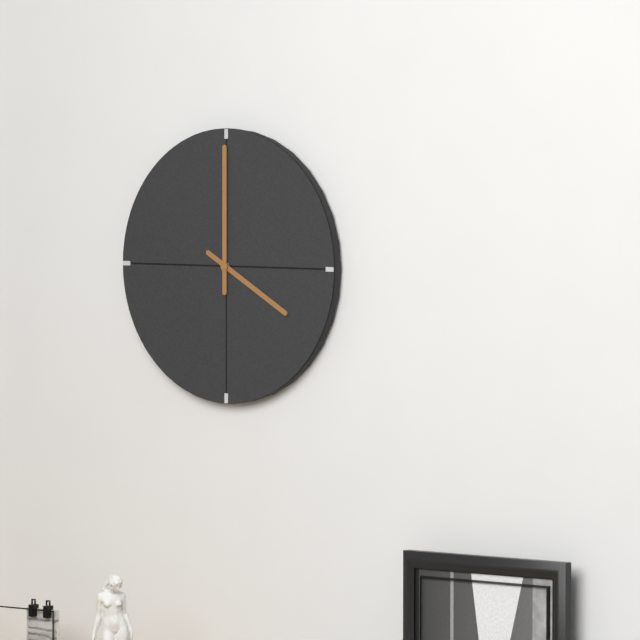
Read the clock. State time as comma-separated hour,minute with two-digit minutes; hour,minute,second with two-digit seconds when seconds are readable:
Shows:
4,00
